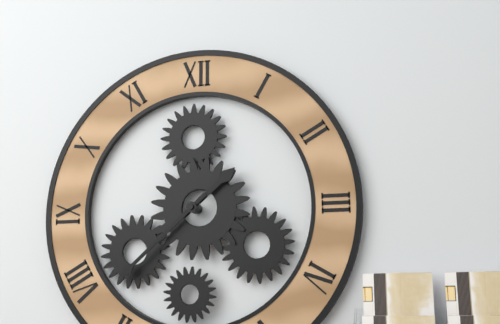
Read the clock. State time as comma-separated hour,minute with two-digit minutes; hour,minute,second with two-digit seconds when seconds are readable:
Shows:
1,38
